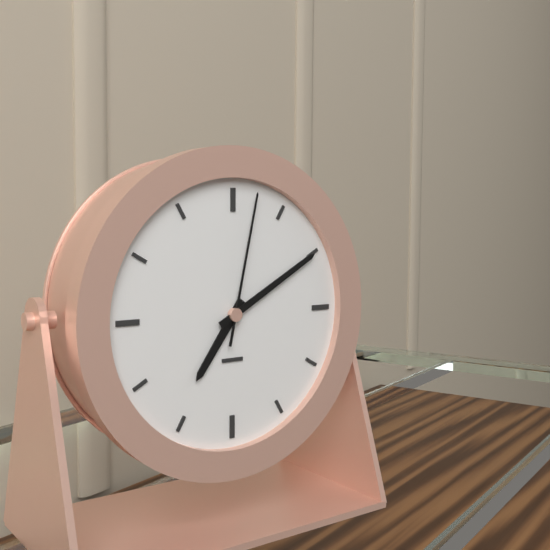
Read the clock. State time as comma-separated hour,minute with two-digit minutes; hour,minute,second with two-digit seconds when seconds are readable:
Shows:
7,10,02
